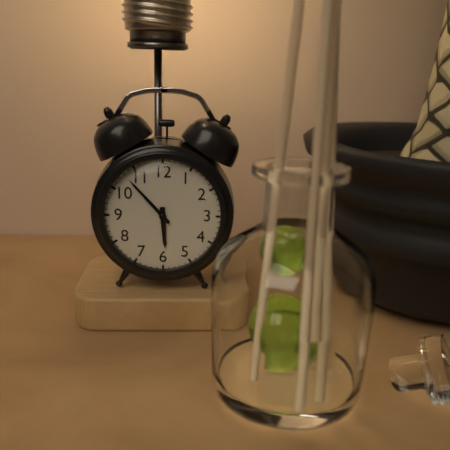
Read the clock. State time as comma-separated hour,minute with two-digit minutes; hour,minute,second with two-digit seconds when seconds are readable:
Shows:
5,53
